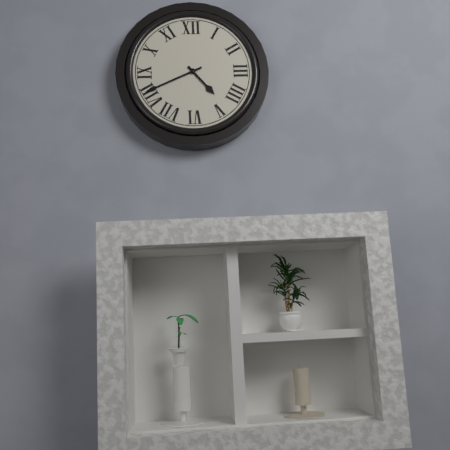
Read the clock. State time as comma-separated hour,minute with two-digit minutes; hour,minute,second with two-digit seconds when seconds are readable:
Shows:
4,41
